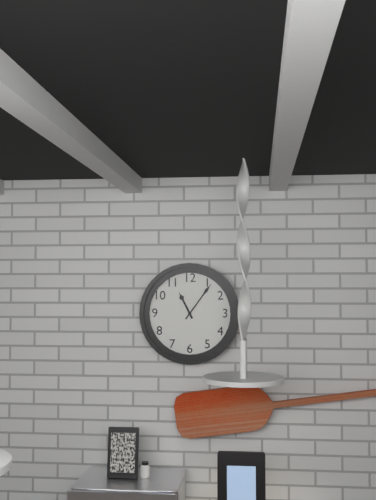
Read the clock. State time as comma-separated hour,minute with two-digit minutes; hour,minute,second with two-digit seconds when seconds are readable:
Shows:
11,06
